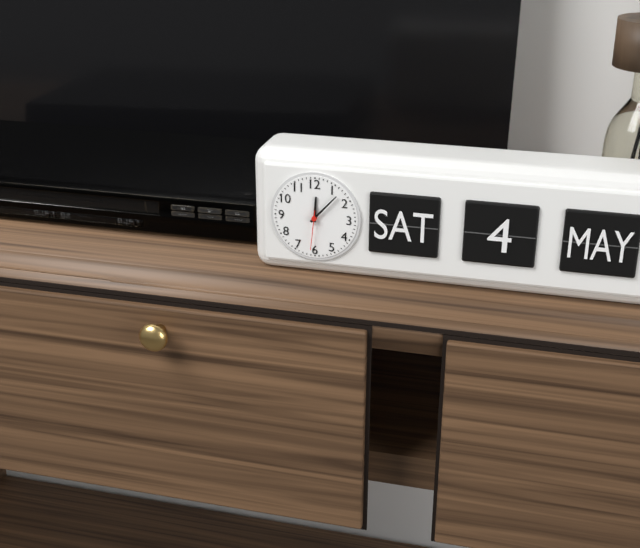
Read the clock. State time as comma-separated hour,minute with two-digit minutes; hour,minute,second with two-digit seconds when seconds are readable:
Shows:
12,07
